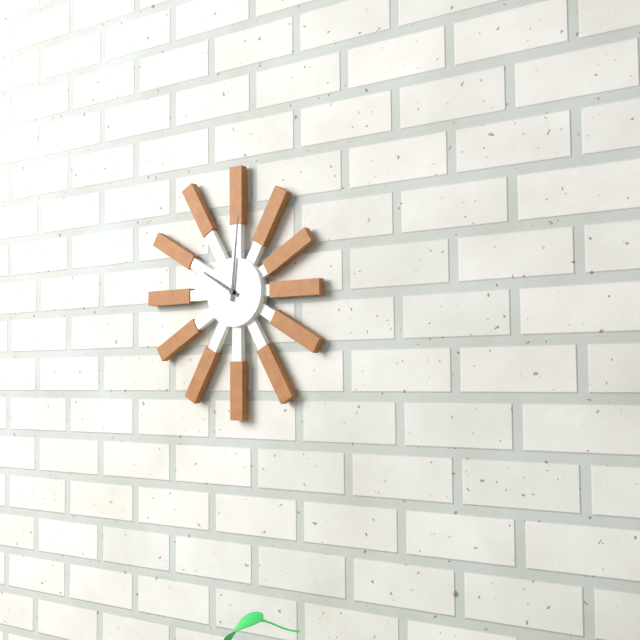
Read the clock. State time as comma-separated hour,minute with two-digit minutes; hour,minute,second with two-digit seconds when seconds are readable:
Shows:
10,01
